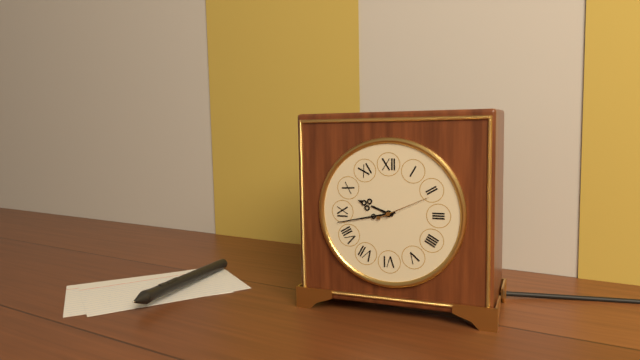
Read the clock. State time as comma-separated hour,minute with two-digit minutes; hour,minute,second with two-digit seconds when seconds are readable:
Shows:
9,43,11
